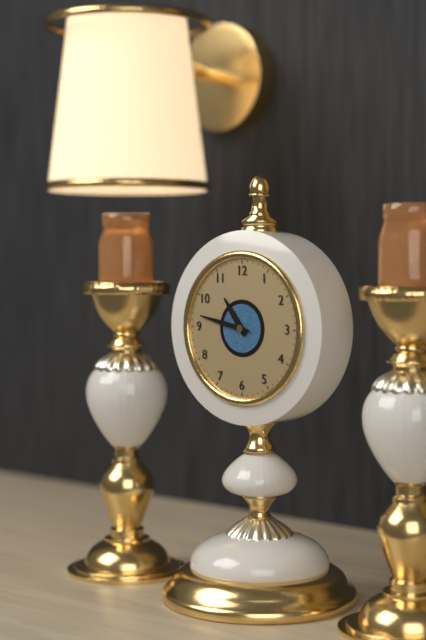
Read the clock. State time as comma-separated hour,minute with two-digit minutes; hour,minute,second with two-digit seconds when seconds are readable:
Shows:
10,47
